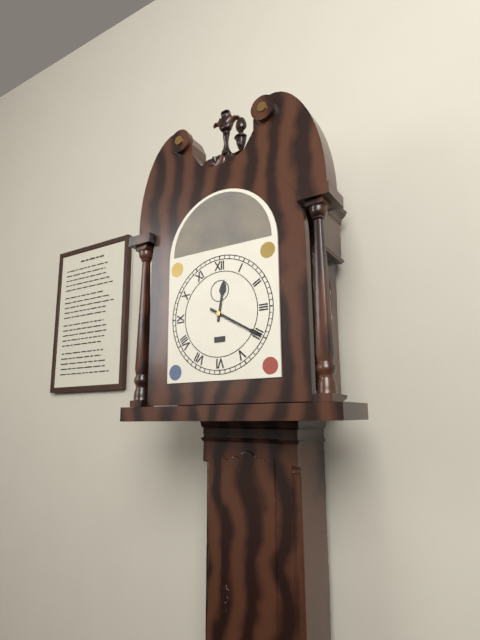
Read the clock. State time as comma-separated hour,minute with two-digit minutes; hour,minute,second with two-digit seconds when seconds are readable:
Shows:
12,20
